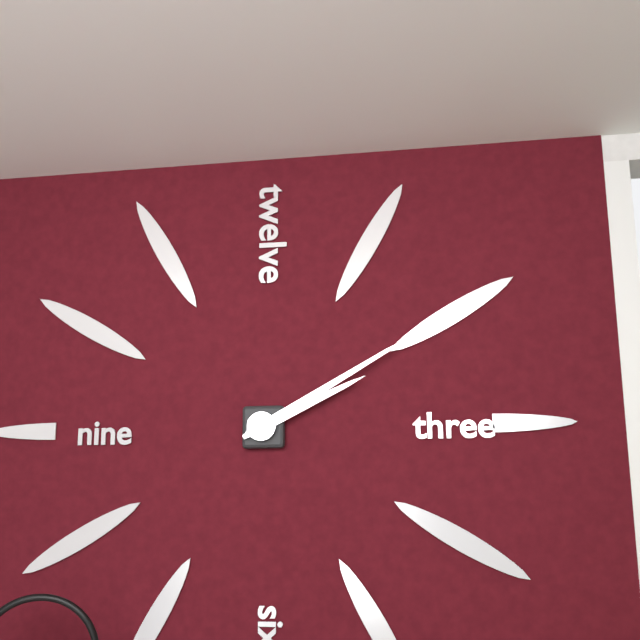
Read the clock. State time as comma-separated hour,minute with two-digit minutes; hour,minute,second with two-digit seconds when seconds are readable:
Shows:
2,10
